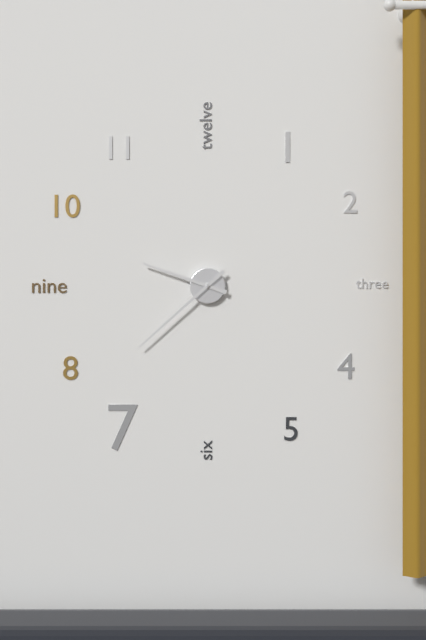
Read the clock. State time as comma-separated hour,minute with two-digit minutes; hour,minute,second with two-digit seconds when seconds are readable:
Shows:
9,38
